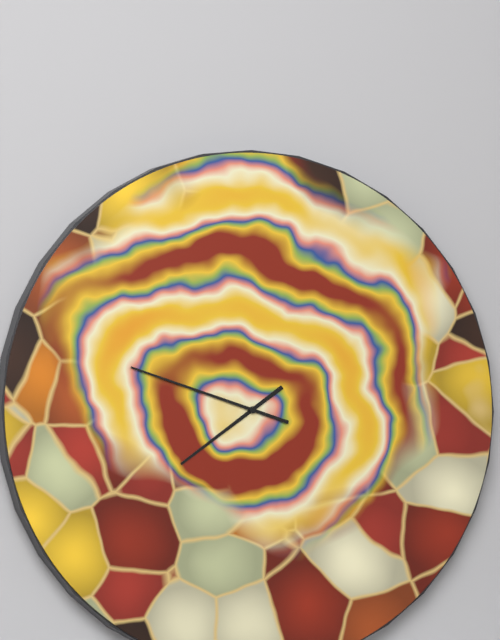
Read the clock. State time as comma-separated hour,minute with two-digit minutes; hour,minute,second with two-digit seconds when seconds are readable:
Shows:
7,48
